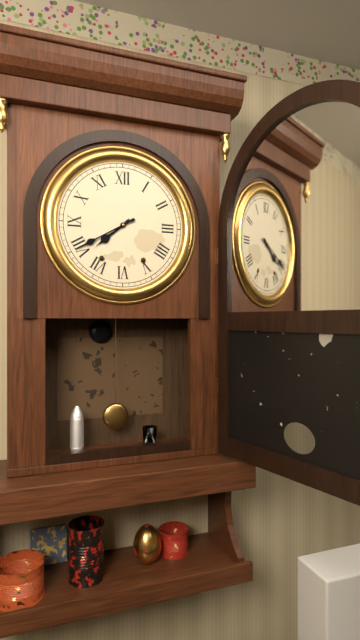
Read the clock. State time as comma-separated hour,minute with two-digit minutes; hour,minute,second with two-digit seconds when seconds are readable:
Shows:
7,40
